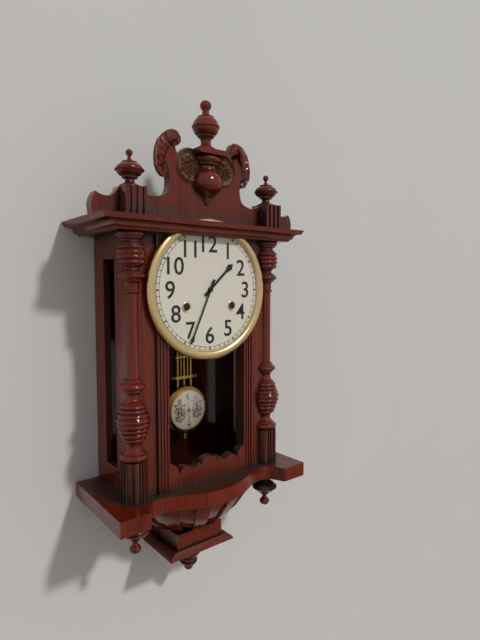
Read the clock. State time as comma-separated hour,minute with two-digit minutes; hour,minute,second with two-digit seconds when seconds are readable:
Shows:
1,34
